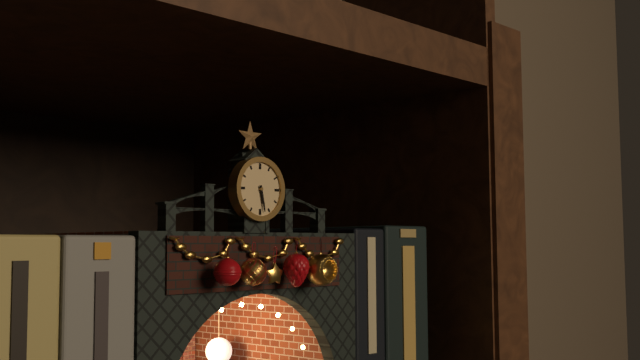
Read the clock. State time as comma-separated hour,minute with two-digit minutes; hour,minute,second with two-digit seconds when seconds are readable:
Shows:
5,28
